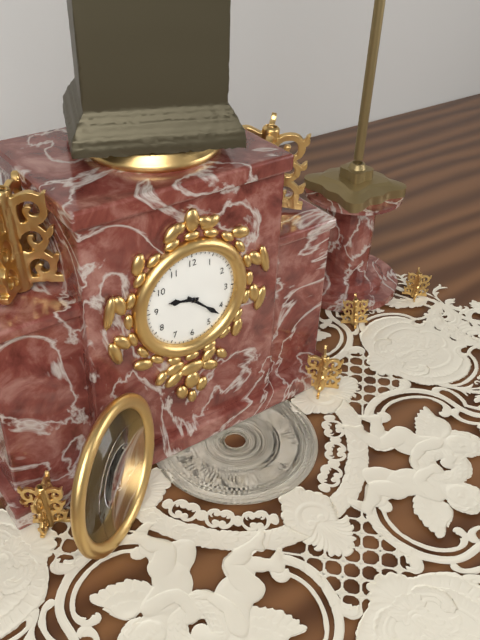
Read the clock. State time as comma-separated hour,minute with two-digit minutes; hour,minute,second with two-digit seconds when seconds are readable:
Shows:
9,22
